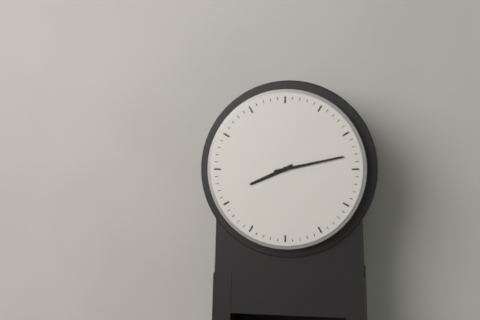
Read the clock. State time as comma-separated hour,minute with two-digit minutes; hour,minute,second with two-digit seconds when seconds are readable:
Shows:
8,13
